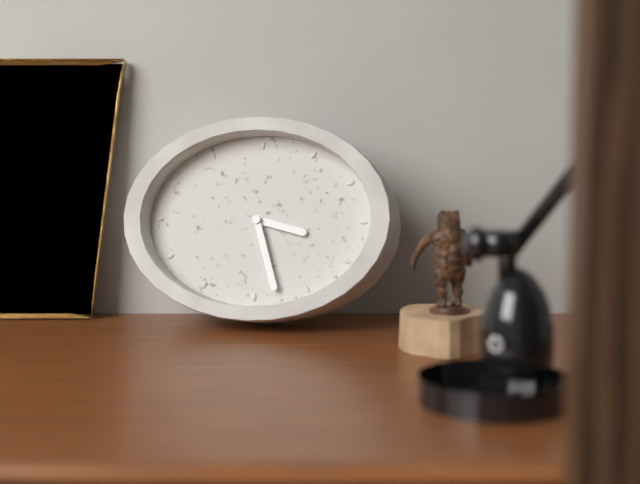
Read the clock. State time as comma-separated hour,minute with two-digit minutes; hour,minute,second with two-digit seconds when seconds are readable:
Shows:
3,27
